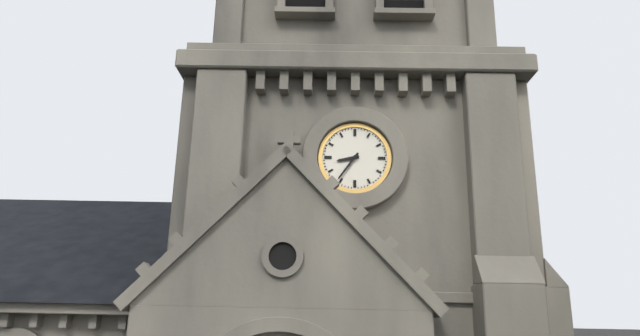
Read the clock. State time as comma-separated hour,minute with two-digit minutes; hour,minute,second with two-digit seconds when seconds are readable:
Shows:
8,36
